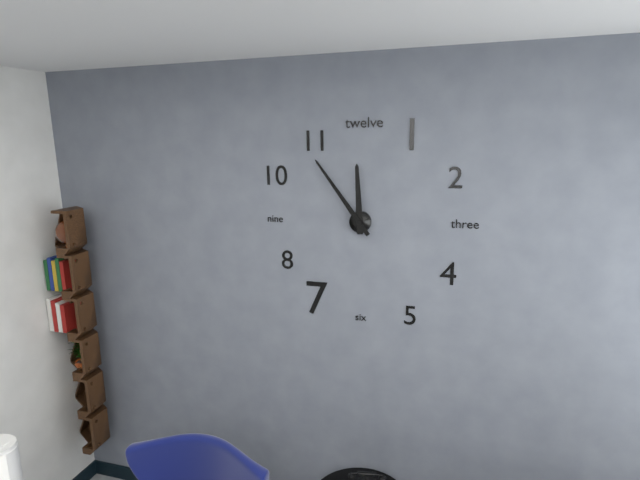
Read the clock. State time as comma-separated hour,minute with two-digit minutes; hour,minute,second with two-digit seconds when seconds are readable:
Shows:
11,54
